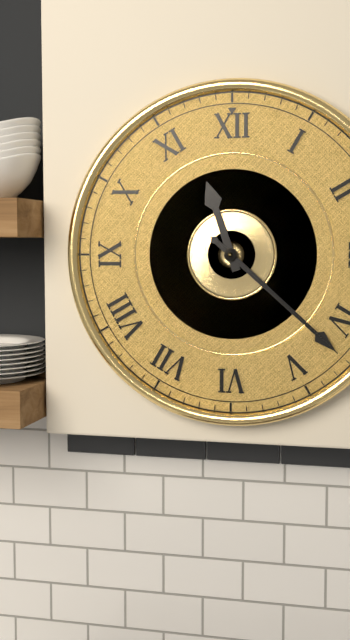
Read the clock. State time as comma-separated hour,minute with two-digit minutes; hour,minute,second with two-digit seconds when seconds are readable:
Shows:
11,22,22
